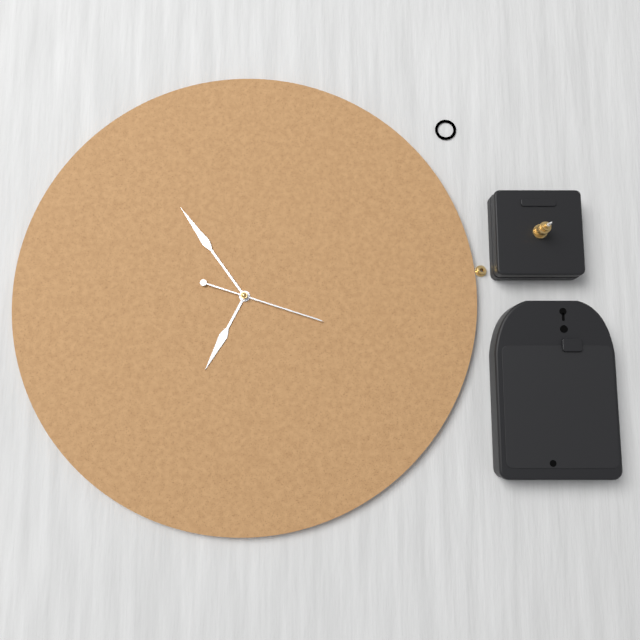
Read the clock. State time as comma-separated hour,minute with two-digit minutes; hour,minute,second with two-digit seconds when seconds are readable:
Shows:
6,54,18
